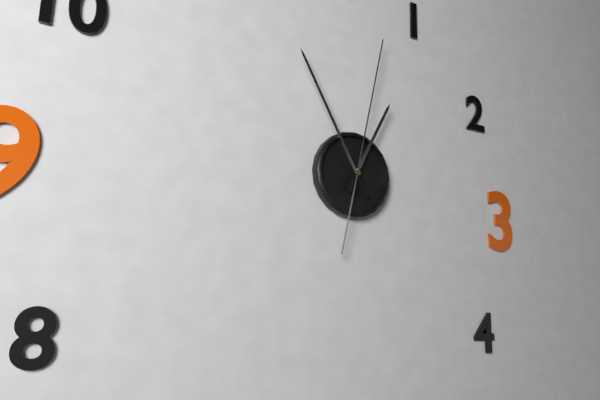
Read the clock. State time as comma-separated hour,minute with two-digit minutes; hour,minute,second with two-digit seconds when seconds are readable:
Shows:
12,55,02
